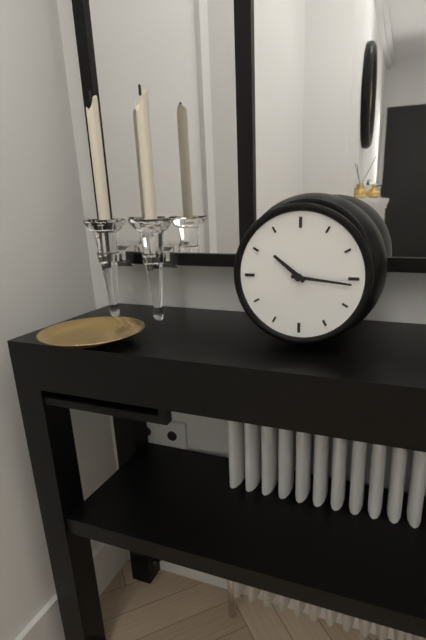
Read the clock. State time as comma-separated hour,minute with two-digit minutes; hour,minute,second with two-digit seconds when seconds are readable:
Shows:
10,16
